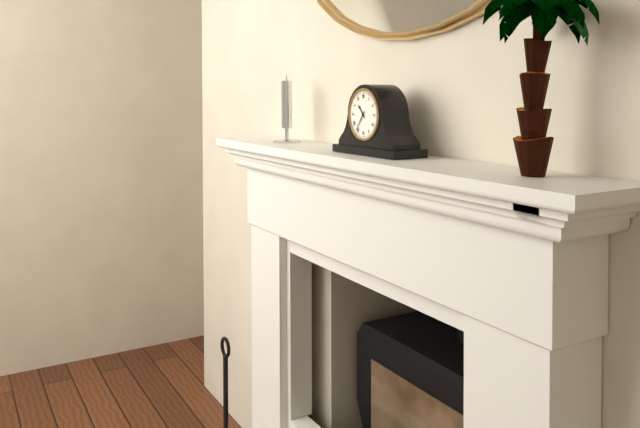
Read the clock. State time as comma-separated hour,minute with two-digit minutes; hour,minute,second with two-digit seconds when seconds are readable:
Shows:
10,36
